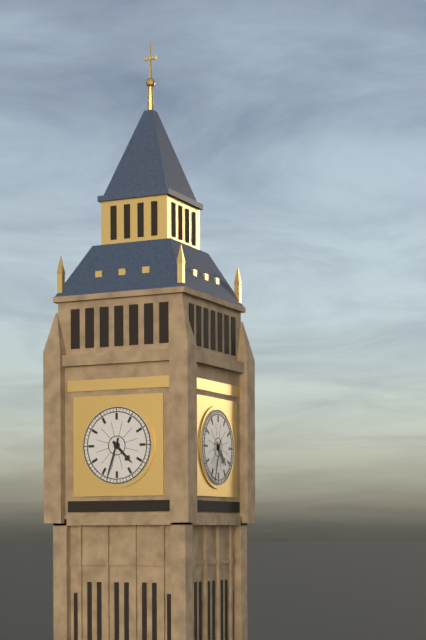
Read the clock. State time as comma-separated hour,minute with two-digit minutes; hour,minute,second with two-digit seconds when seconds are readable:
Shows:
4,33
